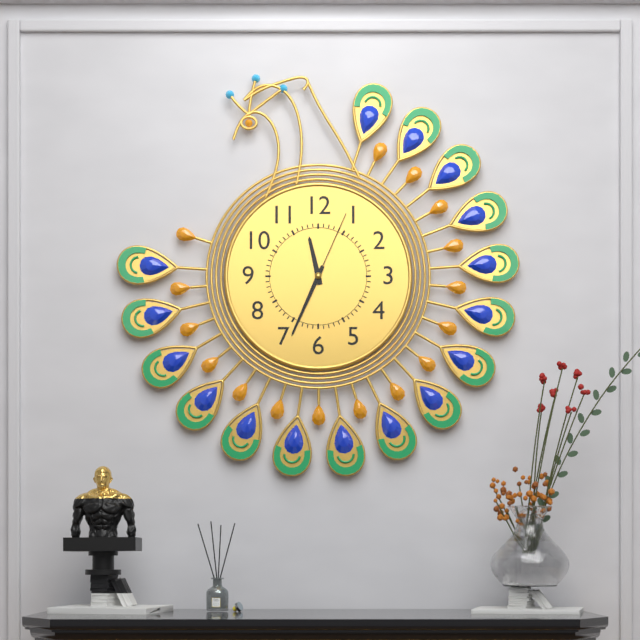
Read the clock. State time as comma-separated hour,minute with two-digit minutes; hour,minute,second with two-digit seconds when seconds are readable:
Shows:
11,34,04
